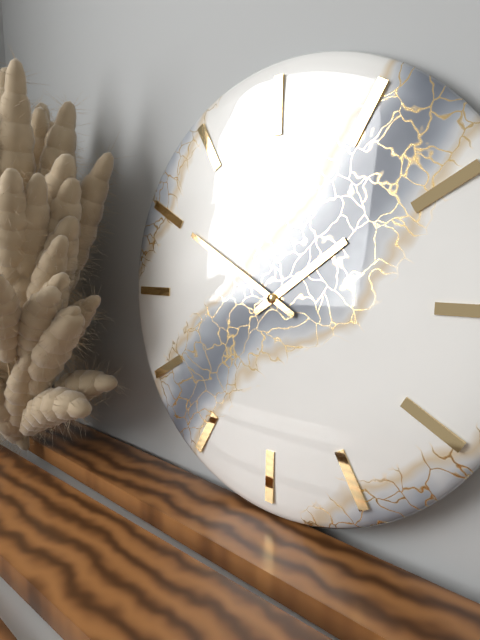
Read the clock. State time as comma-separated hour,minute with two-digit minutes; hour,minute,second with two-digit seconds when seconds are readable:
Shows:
1,50
